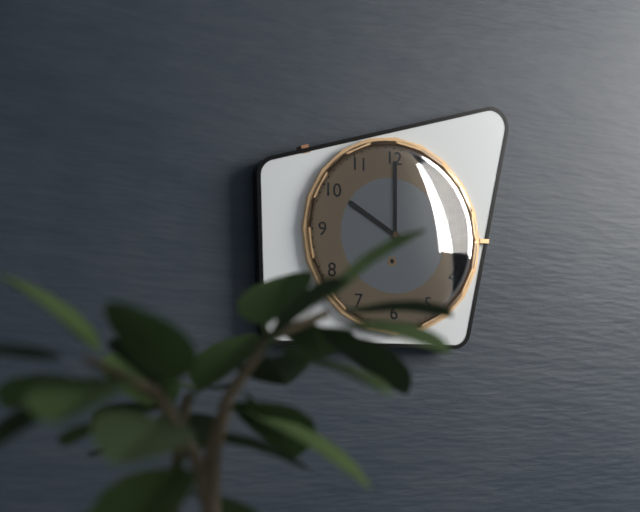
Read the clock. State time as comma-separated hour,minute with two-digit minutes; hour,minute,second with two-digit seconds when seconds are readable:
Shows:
10,00
